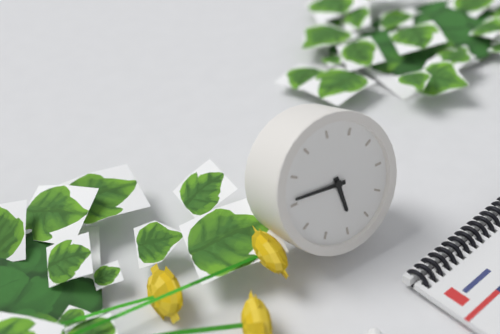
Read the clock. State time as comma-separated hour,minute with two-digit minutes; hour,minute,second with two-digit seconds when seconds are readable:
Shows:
5,46
